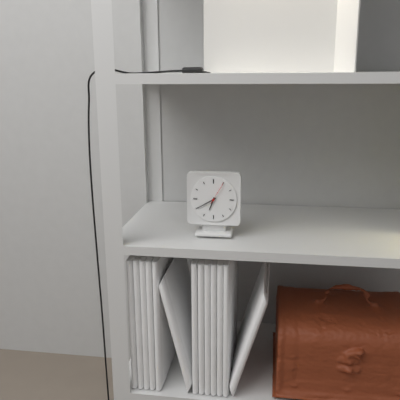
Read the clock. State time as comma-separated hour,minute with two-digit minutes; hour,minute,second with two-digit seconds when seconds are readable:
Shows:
6,40
